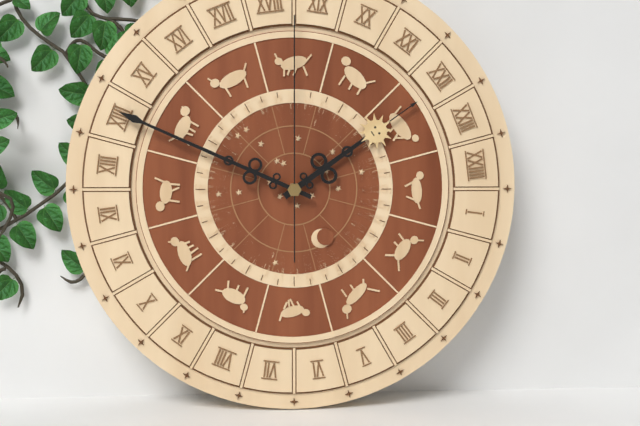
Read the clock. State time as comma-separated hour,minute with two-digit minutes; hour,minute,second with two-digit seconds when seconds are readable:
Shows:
1,49,00
